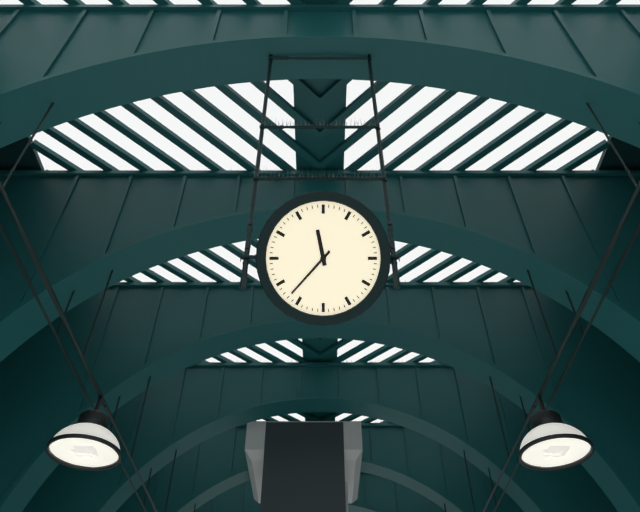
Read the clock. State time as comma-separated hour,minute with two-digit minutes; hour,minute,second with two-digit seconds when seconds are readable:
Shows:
11,37
